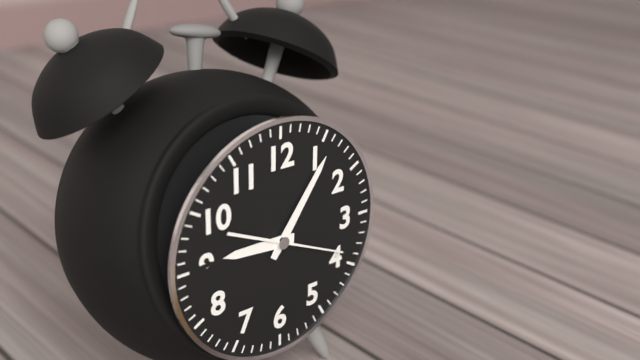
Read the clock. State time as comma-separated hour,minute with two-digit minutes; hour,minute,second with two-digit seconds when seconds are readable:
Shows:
9,06,19
